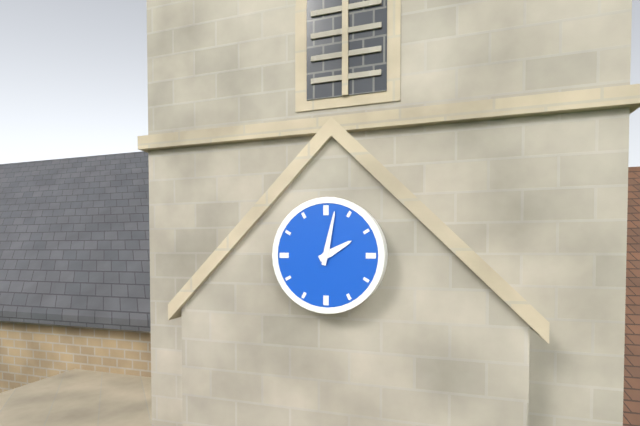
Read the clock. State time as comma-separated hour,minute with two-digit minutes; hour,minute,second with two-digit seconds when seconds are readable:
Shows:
2,02
